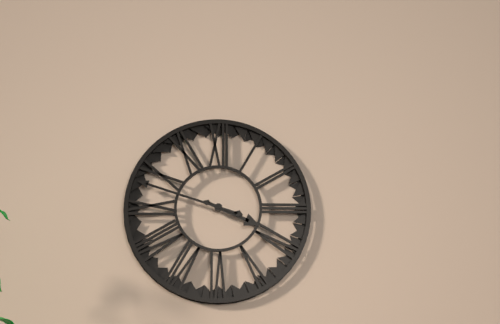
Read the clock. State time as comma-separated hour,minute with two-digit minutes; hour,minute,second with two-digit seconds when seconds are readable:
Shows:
3,48
